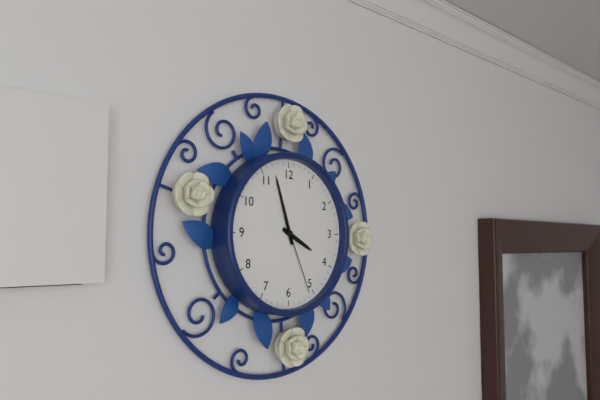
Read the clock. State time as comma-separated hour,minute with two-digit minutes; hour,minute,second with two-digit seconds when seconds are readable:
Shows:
3,57,26
